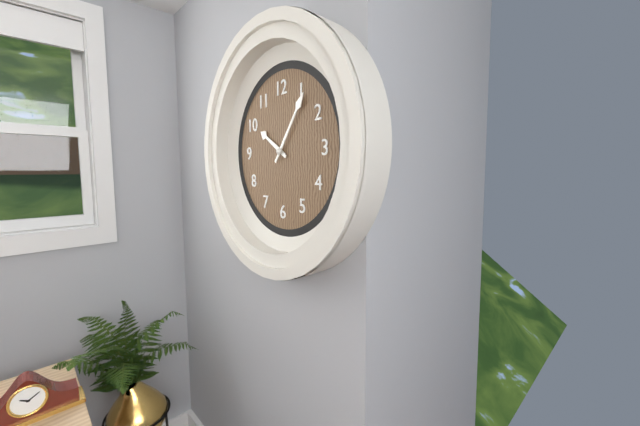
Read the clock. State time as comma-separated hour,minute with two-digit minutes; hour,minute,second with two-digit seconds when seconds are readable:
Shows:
10,06
